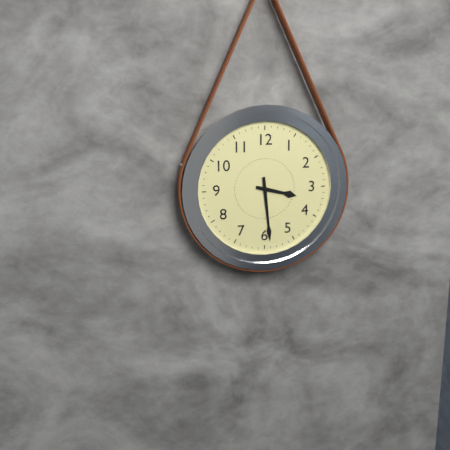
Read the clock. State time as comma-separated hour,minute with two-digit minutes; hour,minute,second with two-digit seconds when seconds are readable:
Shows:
3,29
